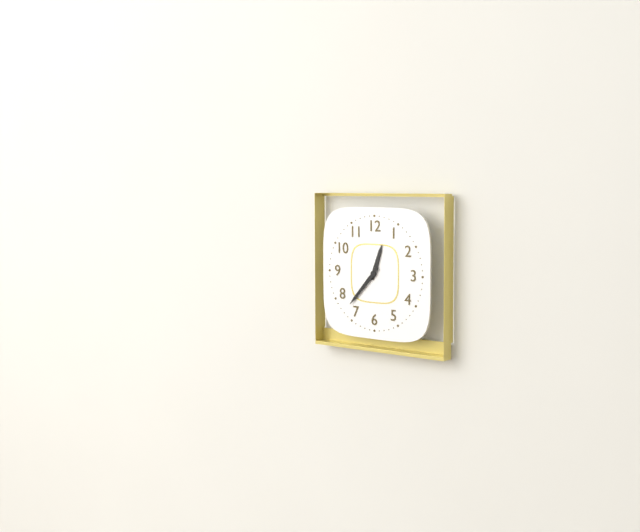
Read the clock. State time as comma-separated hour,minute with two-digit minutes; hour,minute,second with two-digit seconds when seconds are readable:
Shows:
12,37
